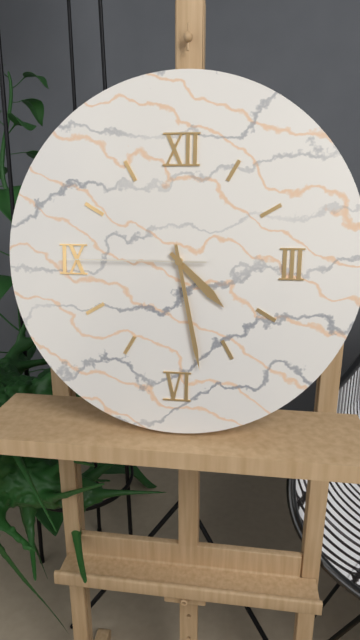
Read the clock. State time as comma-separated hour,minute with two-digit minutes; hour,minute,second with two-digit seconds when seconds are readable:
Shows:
4,28,45
